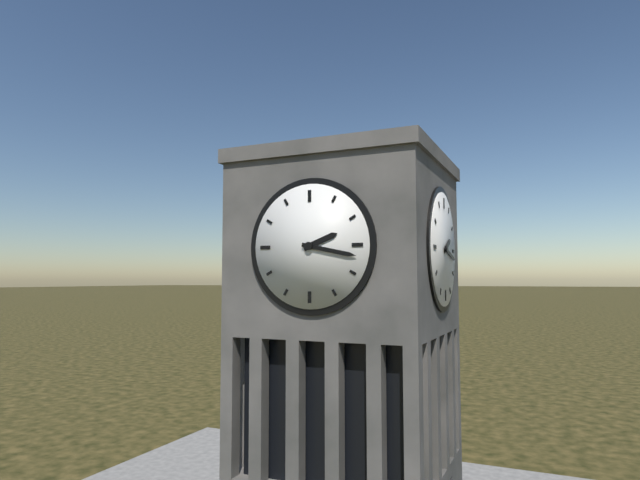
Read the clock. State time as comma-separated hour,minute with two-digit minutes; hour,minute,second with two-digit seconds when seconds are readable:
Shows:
2,17
